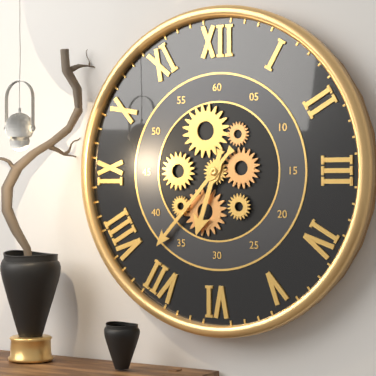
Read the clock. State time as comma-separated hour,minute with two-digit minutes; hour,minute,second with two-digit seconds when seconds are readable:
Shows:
6,37
